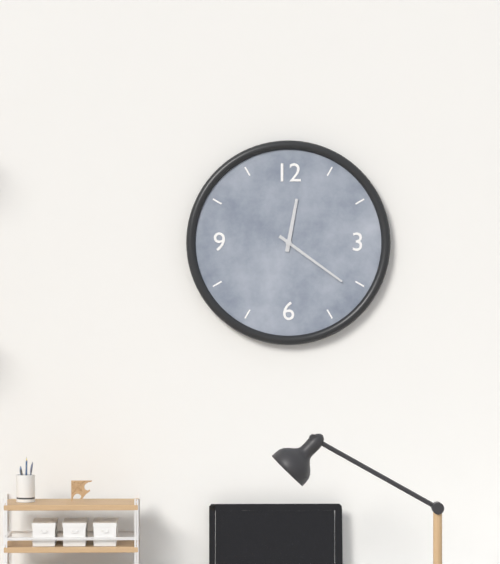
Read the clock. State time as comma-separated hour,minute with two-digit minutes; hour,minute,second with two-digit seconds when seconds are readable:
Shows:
12,21
